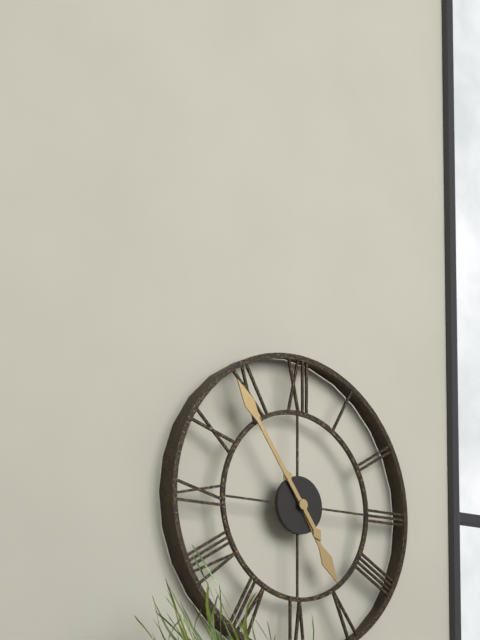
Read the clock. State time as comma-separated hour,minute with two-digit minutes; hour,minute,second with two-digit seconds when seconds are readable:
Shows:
4,54
